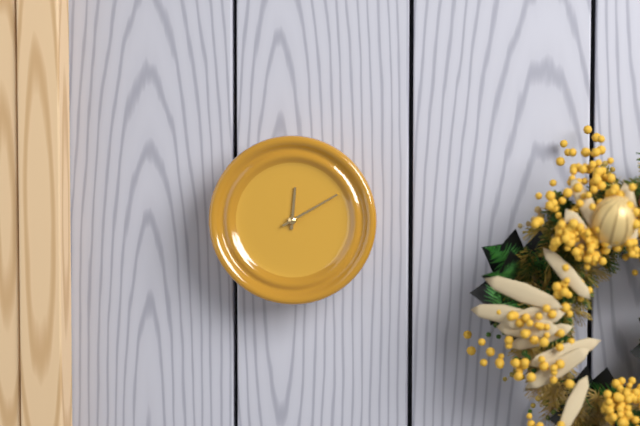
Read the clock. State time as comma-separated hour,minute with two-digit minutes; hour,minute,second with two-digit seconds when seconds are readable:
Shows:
12,10
